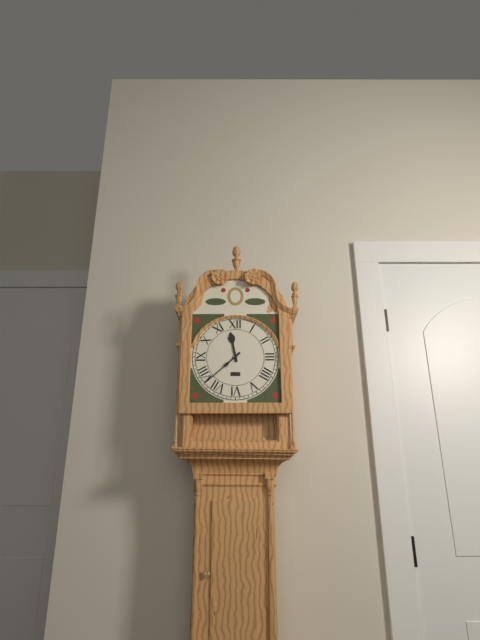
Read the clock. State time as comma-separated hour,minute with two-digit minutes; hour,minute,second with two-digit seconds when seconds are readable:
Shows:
11,38
